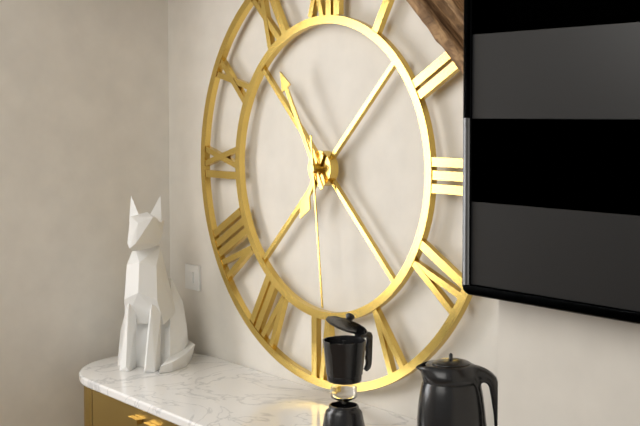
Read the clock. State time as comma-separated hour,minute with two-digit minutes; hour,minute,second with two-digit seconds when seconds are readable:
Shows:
6,55,29
